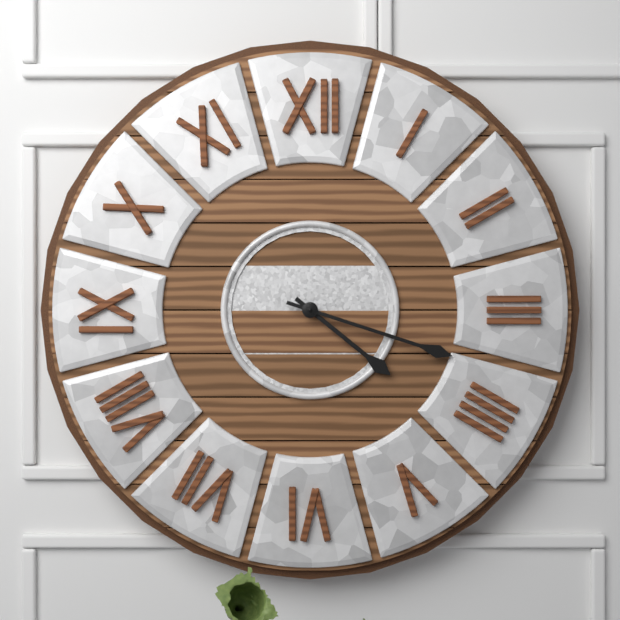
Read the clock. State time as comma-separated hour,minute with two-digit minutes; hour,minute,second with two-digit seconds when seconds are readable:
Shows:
4,18
